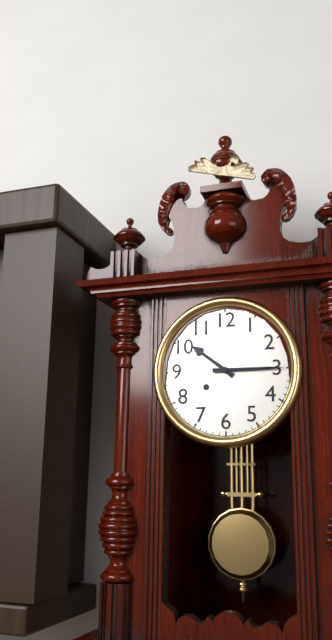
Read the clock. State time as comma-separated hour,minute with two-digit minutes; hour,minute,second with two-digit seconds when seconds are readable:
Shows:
10,15
